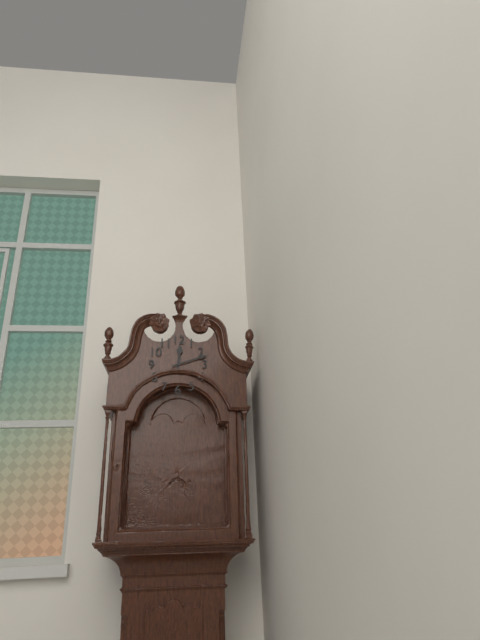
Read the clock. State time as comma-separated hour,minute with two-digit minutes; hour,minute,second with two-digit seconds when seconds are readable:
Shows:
12,12
